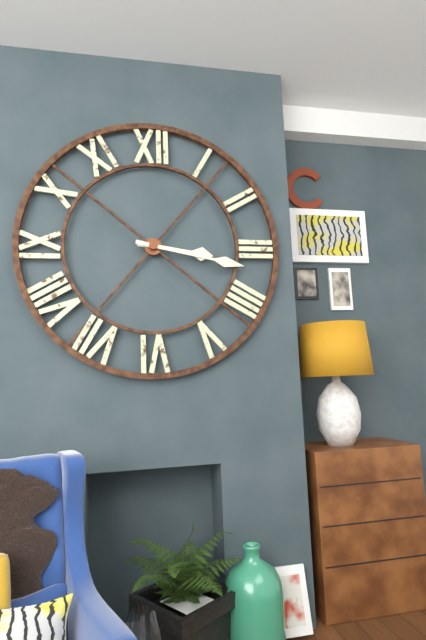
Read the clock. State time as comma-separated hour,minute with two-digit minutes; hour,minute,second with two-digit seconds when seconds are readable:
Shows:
3,17
